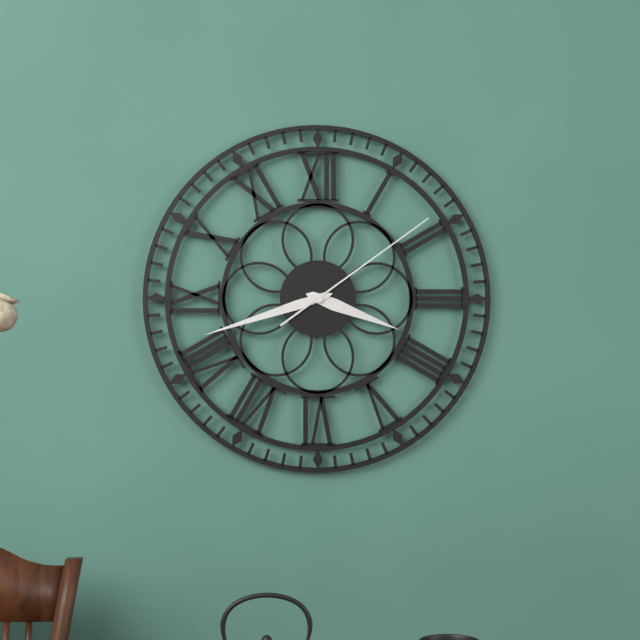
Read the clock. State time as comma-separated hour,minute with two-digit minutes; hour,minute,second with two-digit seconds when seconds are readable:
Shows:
3,42,09
